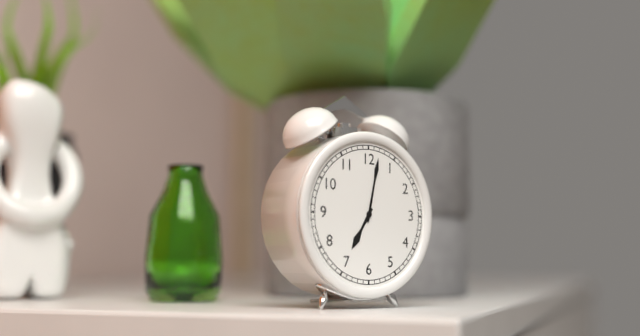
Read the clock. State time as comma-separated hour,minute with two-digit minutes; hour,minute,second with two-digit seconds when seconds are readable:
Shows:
7,02
